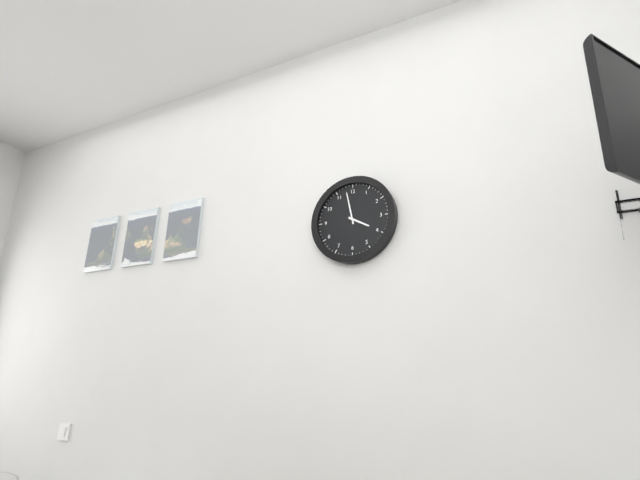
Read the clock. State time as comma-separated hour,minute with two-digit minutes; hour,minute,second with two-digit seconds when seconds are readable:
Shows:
3,58
